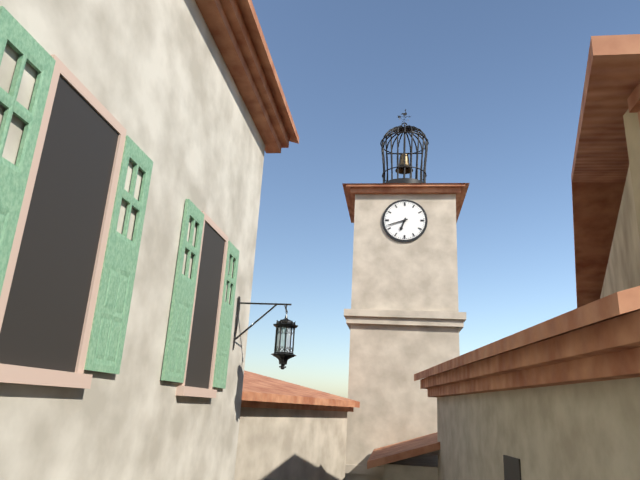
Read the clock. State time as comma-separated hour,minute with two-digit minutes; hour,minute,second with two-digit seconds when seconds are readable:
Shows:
6,42
